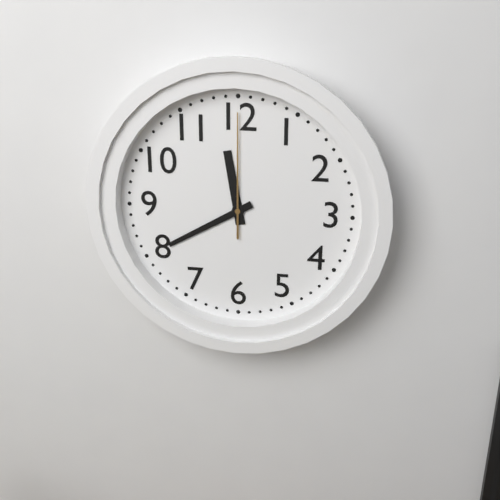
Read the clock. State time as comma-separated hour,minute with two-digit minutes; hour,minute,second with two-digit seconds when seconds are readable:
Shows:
11,40,00
